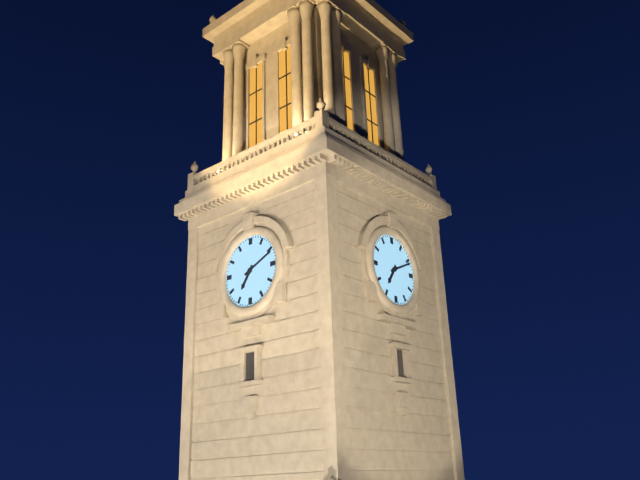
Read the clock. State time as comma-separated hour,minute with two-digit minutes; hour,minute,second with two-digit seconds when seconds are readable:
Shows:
7,11
